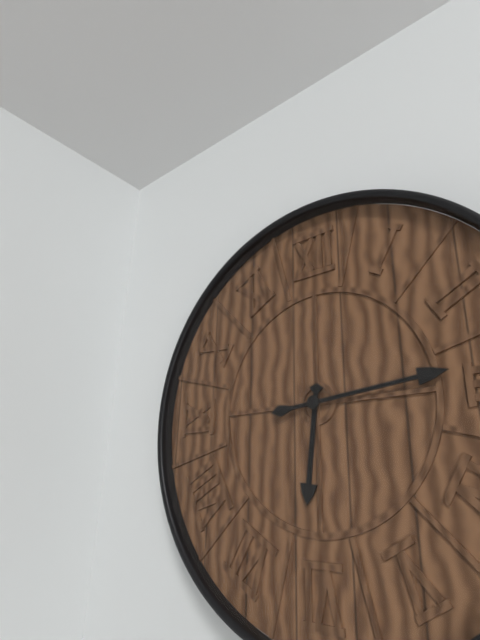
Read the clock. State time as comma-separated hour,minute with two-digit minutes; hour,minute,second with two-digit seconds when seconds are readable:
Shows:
6,14
